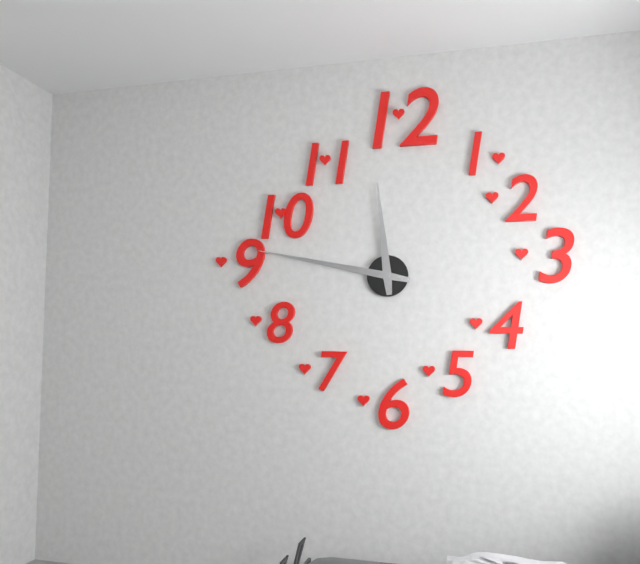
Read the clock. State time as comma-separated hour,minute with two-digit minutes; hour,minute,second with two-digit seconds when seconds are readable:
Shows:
11,47
